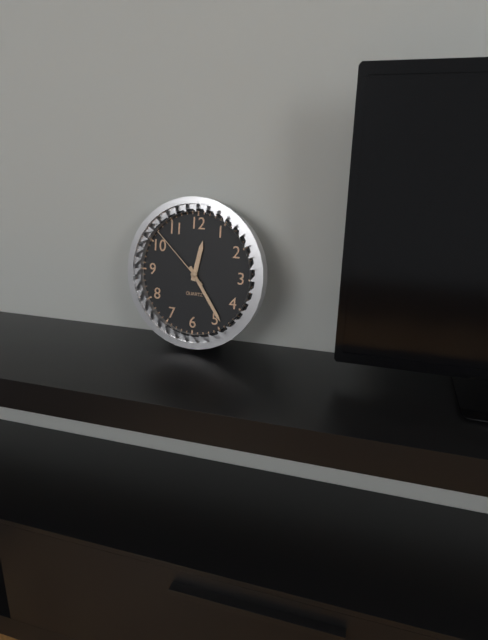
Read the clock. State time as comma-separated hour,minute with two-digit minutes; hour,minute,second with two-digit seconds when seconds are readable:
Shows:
12,24,52
